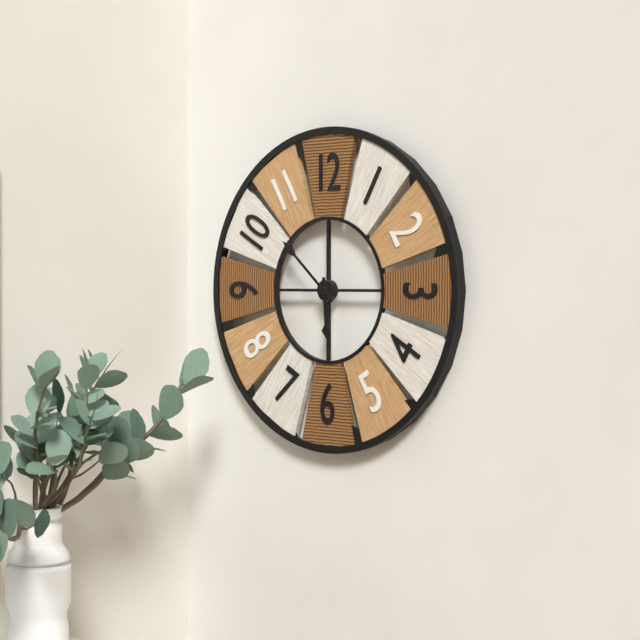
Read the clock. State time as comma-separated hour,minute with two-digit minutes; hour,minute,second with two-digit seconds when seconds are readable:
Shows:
5,52
